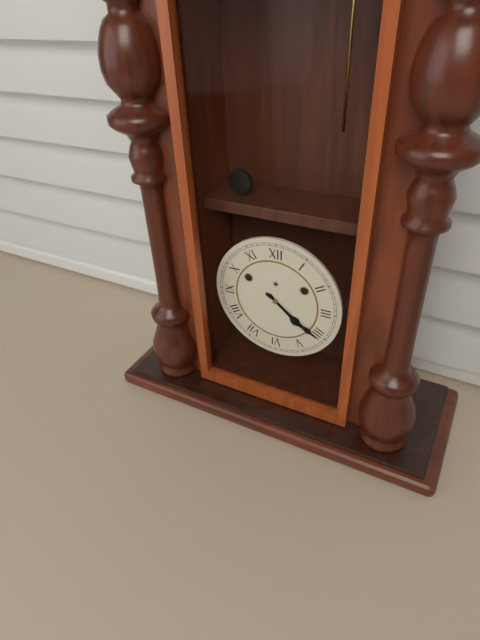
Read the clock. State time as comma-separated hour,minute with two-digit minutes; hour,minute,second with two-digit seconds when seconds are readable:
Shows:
4,21
